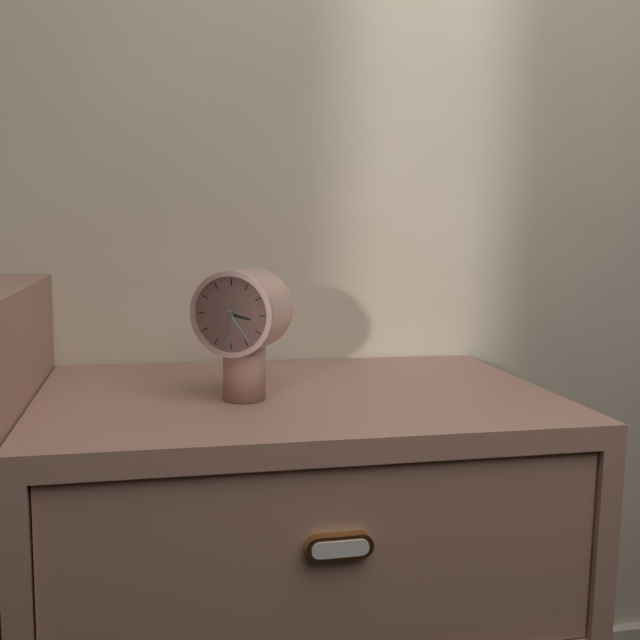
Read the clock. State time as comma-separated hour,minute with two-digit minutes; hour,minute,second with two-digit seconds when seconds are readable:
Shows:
3,24
